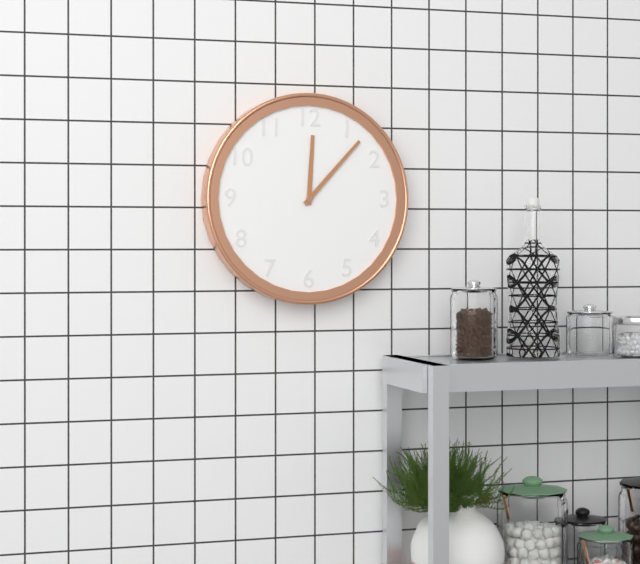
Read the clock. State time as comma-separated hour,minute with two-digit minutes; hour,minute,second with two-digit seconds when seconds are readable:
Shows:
12,07
